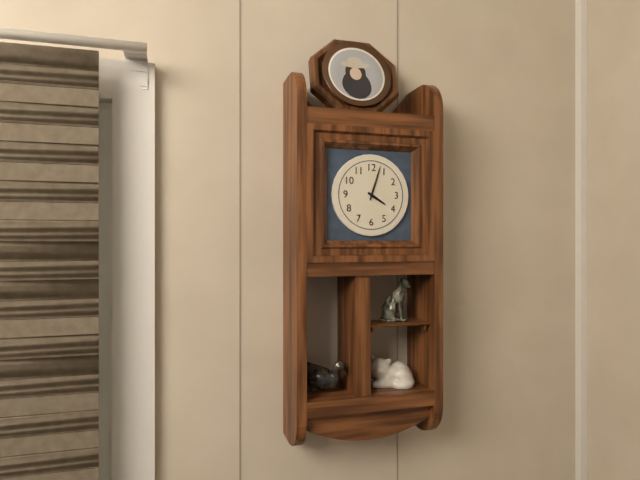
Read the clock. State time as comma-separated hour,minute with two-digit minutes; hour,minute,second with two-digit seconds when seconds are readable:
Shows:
4,03
